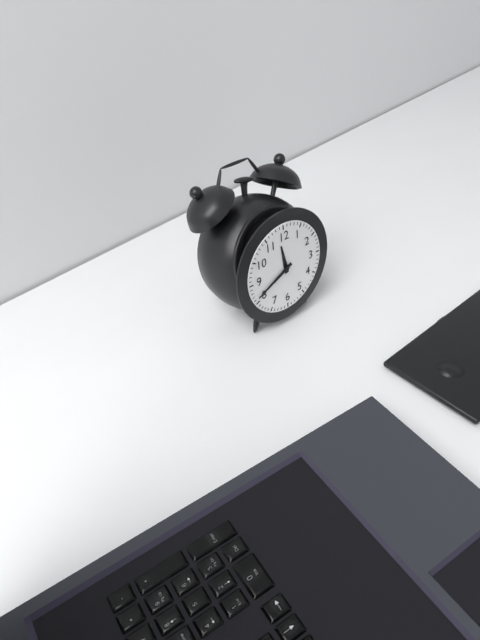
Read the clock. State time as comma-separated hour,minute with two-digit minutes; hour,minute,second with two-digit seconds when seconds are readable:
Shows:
11,41
